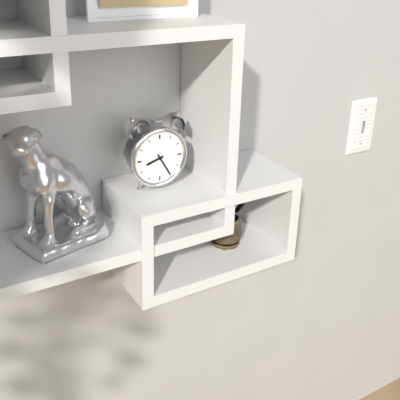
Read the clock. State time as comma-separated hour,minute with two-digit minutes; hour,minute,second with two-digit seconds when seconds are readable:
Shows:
8,25
